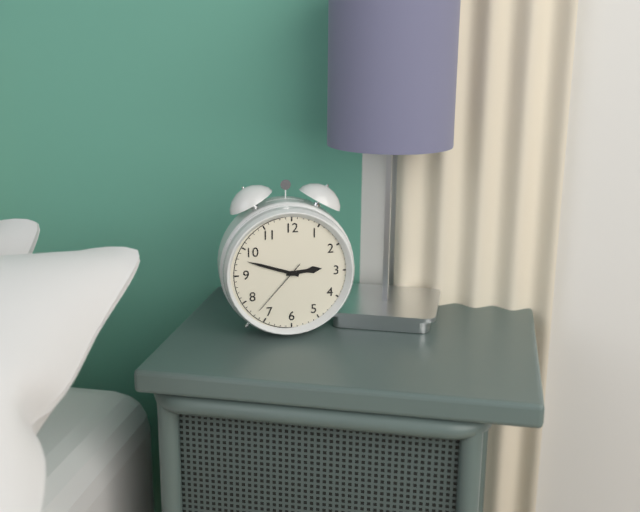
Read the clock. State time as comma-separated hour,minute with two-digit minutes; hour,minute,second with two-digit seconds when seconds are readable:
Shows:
2,48,37
